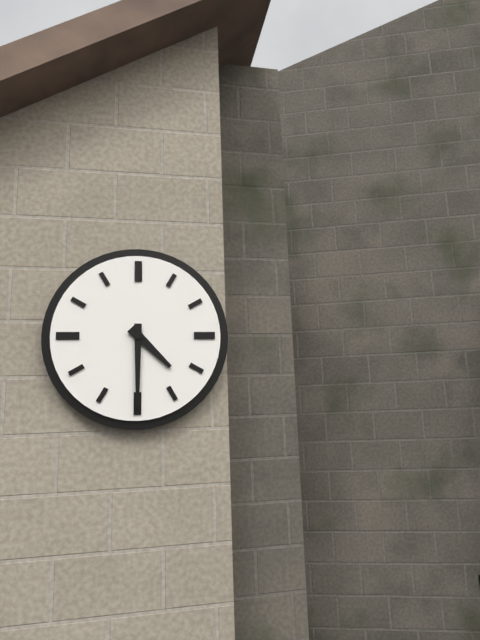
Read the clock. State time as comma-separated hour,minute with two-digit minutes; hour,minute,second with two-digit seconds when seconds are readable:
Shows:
4,30
